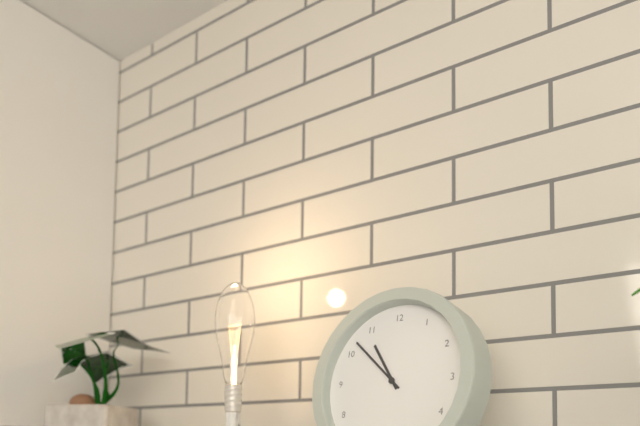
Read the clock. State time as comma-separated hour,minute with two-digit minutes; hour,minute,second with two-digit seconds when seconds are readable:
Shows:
10,52
